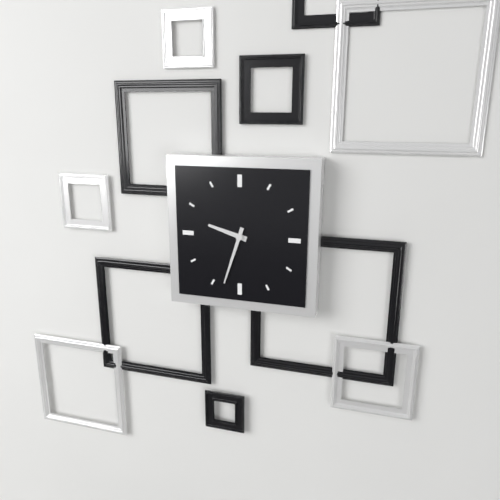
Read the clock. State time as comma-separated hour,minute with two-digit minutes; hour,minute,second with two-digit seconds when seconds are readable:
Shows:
9,33
